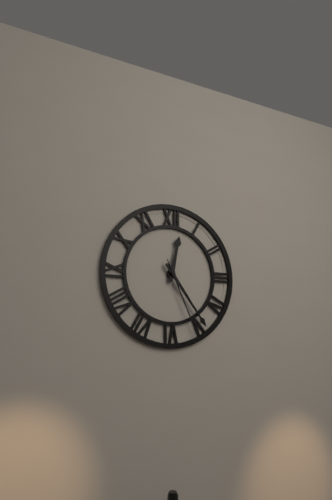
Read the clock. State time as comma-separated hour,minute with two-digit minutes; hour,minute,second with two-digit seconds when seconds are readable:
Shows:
12,24,26
